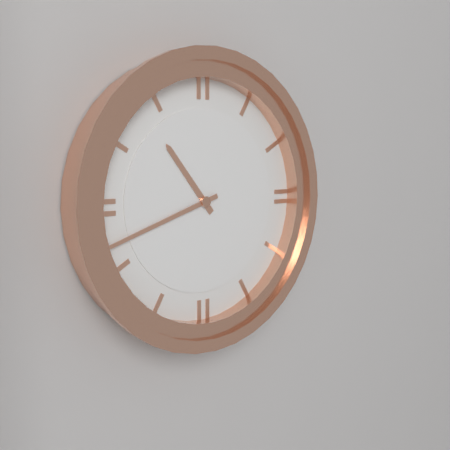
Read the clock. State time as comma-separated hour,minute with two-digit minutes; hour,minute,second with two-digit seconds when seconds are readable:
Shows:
10,42
